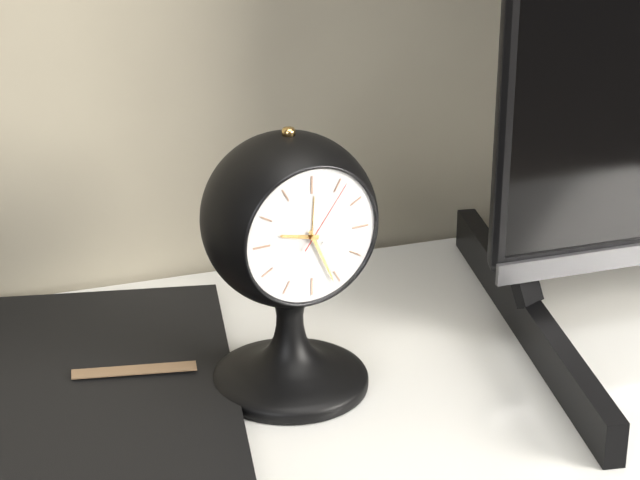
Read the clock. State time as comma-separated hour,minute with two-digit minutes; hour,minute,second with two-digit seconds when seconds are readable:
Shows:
9,26,06
